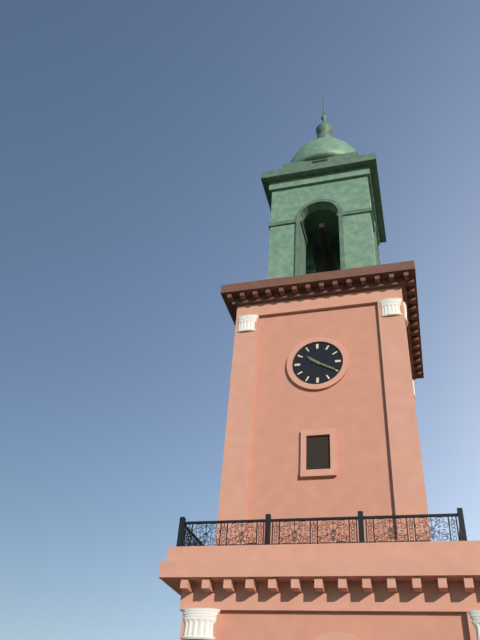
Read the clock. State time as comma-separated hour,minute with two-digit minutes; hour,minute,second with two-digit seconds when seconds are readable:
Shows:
10,20
